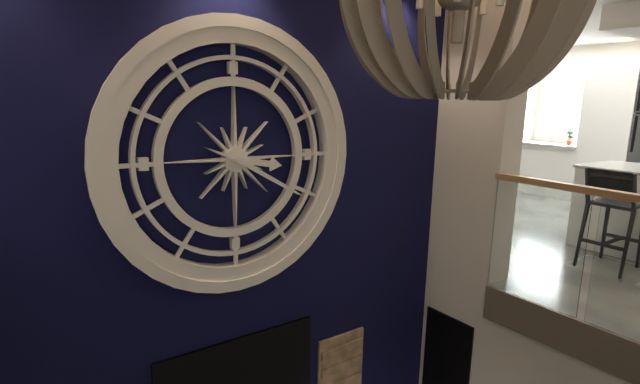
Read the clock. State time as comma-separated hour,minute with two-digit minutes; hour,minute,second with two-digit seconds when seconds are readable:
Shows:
3,20
